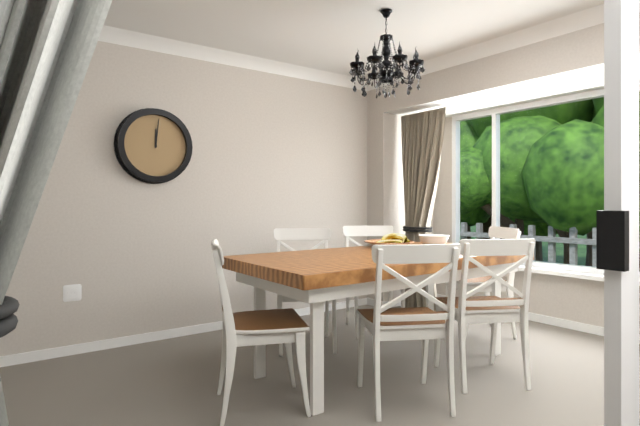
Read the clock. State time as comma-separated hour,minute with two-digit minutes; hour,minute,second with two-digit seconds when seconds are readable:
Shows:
12,01
